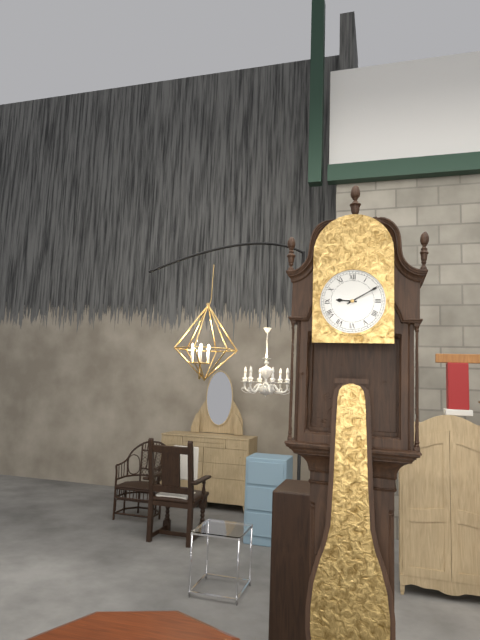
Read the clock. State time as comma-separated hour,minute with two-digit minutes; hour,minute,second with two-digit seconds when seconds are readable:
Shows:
9,10
